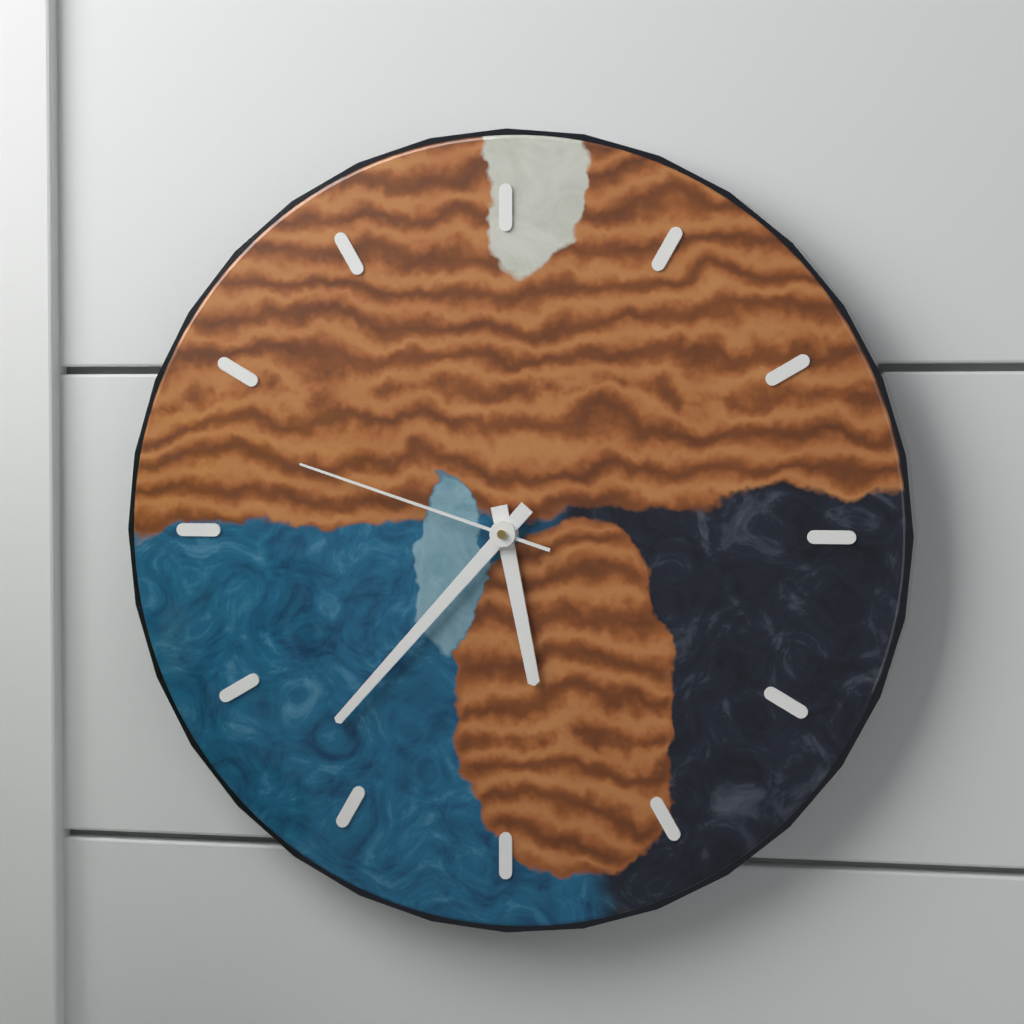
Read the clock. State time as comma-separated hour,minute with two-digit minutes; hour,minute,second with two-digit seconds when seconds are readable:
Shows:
5,37,48
